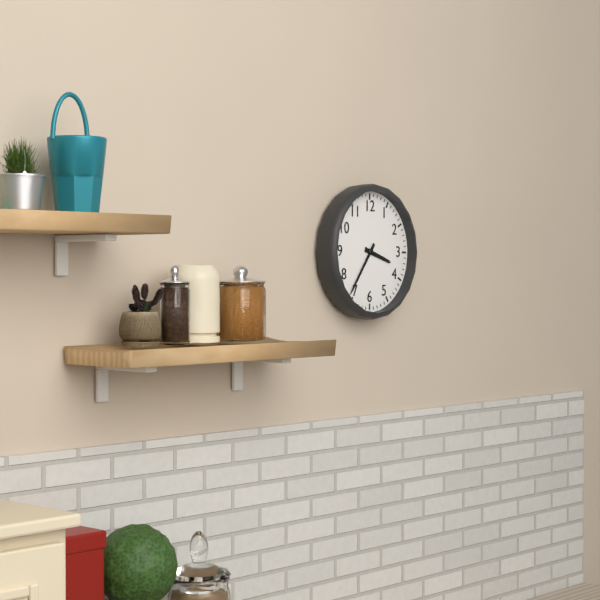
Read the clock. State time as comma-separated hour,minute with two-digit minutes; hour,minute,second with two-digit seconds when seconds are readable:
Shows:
3,36
